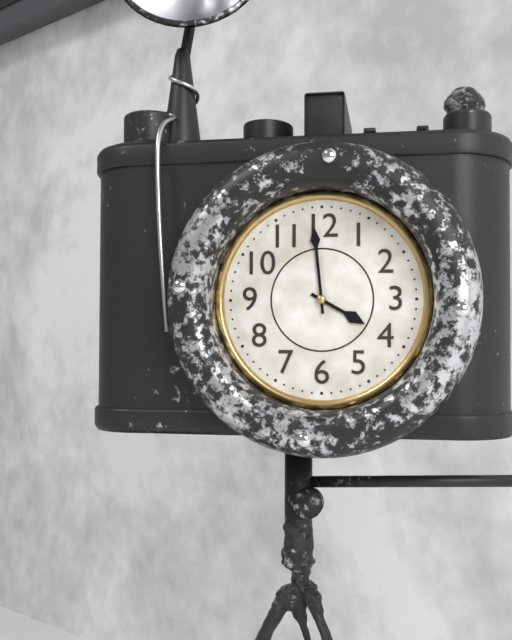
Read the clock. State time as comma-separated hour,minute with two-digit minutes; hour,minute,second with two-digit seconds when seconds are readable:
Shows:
3,59
